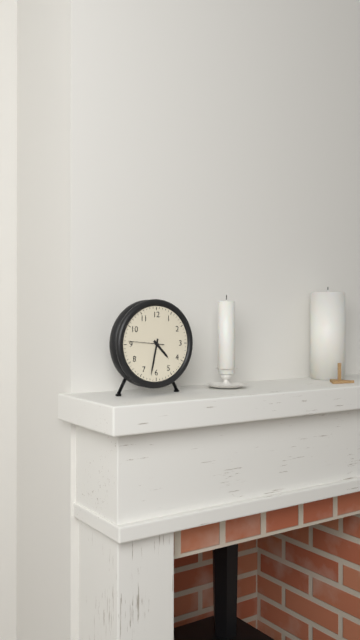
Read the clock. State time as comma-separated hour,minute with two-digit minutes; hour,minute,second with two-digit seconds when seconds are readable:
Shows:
4,32
